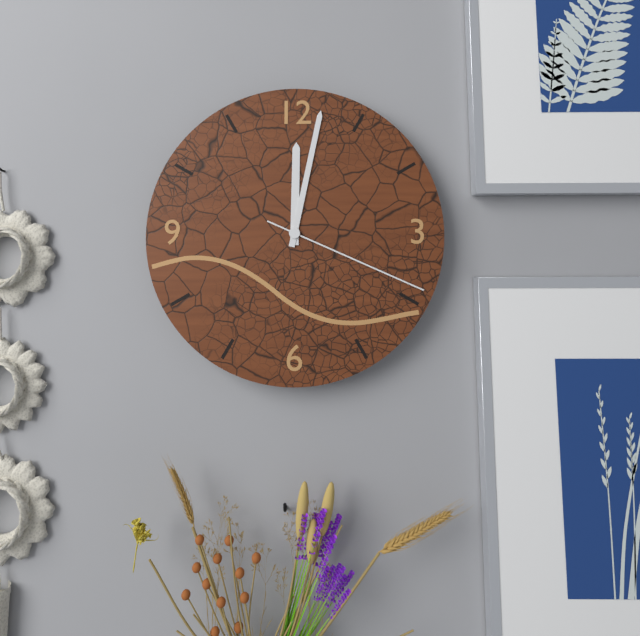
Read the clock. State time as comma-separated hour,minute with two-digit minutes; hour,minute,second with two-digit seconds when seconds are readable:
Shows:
12,02,19
